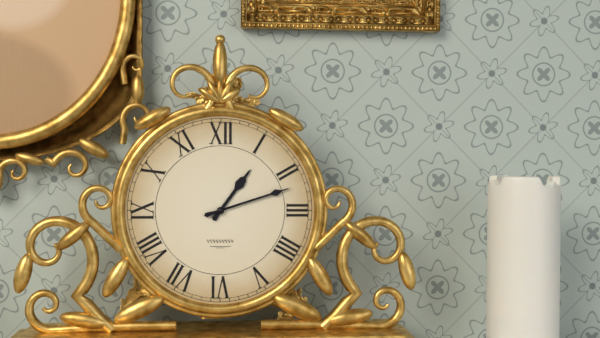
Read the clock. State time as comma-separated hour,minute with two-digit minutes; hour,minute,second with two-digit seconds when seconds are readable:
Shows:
1,12
